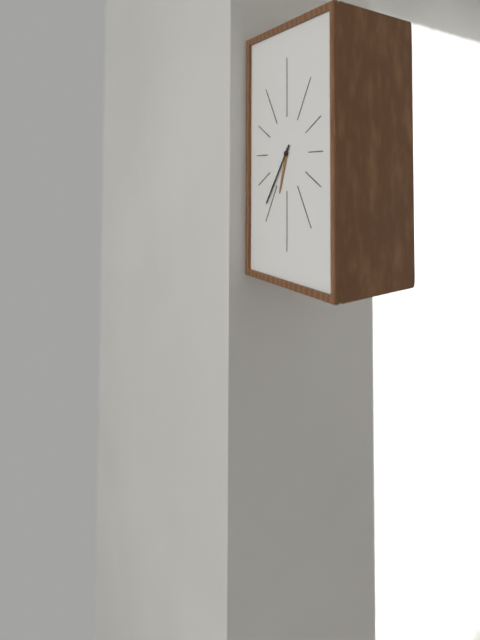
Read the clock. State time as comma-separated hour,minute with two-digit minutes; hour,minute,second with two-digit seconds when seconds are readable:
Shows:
6,36
